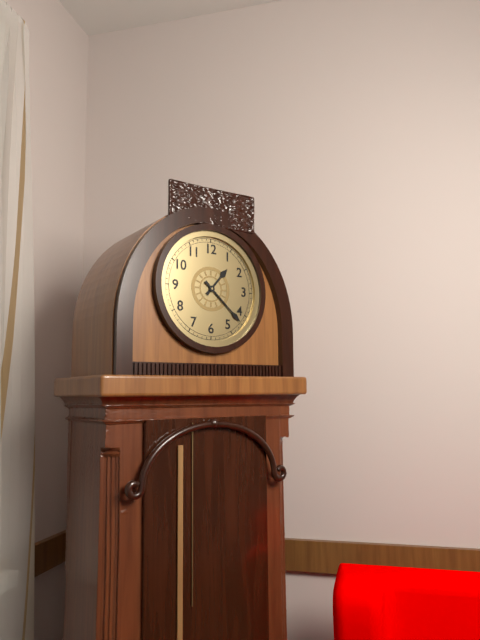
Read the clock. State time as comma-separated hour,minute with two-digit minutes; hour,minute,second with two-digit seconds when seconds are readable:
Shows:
1,22
